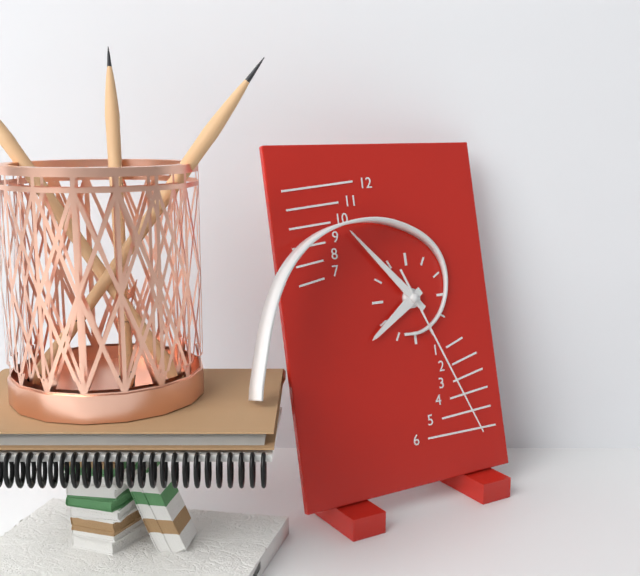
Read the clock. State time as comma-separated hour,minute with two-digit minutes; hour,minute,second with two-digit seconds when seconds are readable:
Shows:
7,53,26
